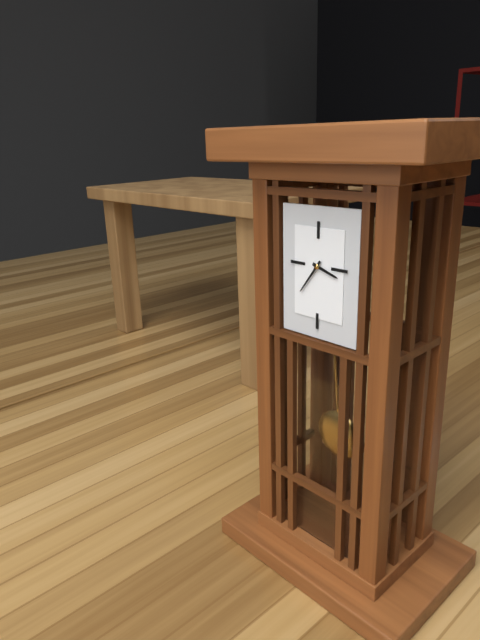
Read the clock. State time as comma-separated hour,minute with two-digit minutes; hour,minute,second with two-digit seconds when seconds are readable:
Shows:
3,36
